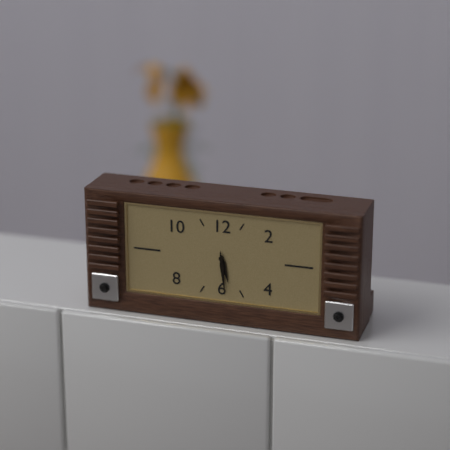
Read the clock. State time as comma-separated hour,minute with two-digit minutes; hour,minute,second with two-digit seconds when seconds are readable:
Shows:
5,29
